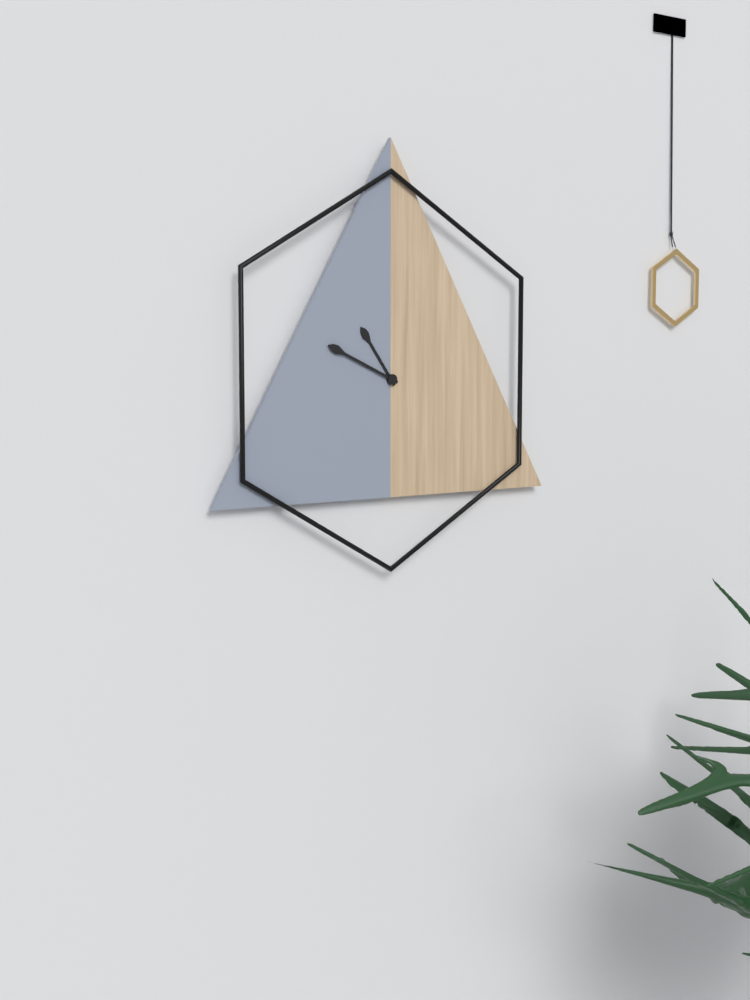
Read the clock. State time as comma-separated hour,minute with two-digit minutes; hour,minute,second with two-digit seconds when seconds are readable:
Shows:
10,49
